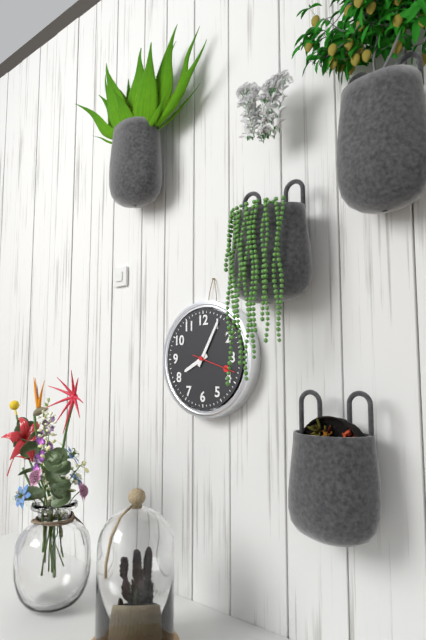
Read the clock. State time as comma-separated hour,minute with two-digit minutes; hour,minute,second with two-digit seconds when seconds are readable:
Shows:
8,05
